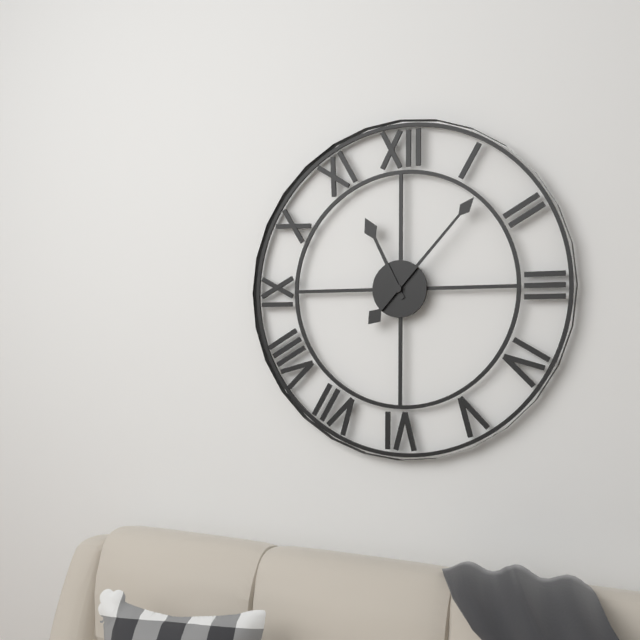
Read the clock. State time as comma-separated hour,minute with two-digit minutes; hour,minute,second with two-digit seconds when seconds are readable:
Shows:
11,07
